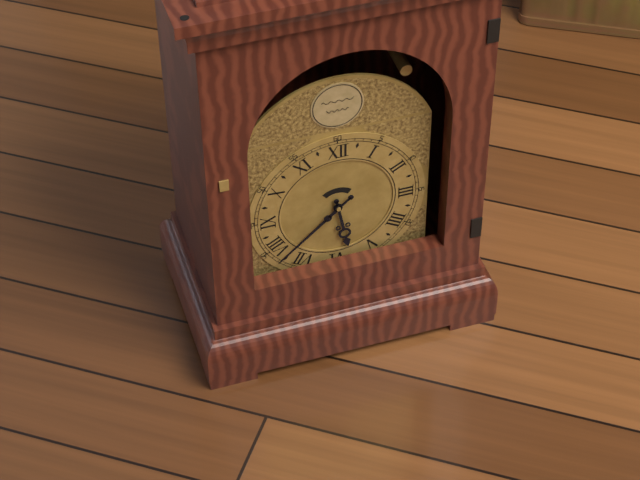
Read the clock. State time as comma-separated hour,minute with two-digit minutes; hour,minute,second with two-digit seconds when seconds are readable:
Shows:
5,38
